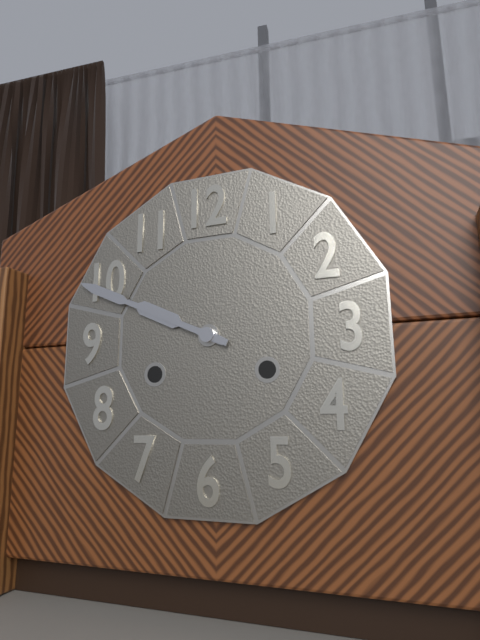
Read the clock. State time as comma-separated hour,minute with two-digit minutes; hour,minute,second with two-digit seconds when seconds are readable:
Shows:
9,49
